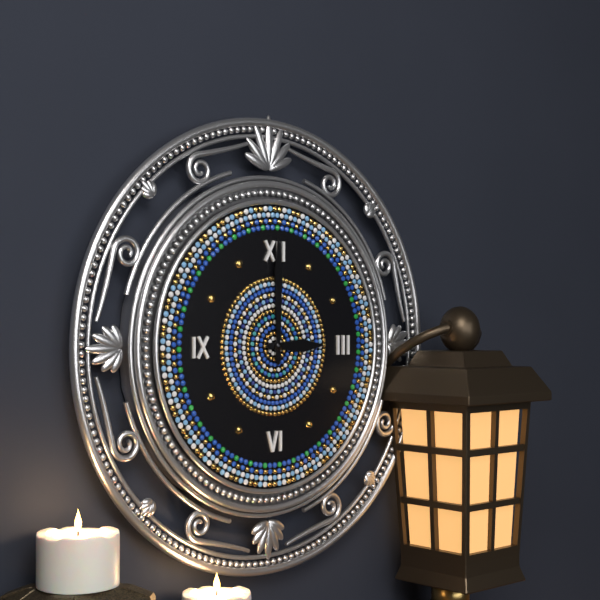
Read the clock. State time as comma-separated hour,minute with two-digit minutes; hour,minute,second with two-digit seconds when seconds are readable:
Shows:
3,00
